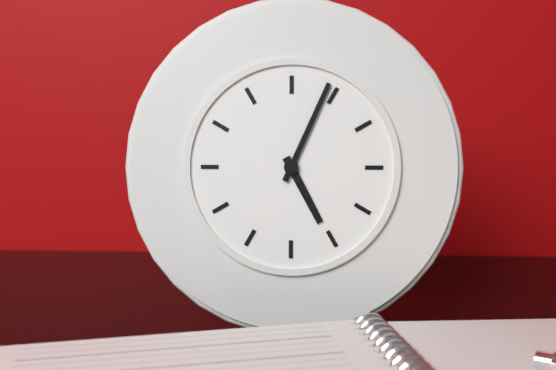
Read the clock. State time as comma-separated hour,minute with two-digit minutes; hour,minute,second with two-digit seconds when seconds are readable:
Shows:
5,04
